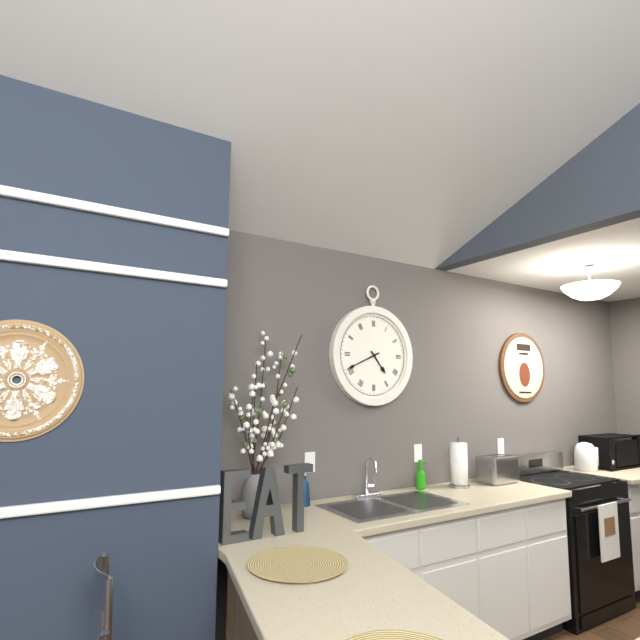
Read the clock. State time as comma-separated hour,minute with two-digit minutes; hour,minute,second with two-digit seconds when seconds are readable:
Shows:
4,41
